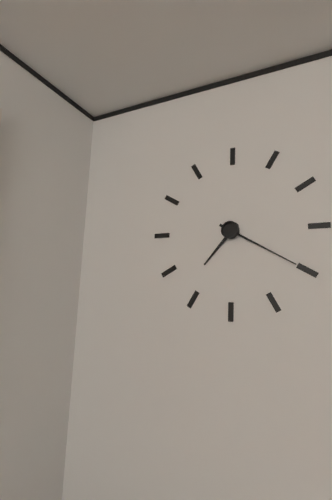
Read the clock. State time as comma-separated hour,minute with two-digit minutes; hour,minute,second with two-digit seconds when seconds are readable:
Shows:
7,20
